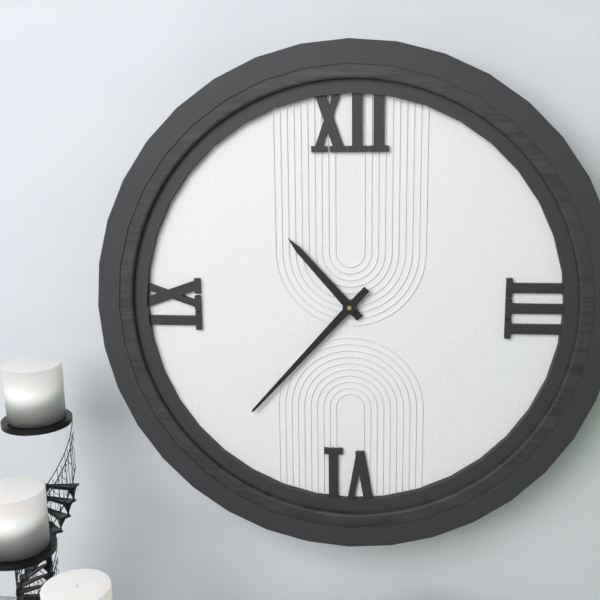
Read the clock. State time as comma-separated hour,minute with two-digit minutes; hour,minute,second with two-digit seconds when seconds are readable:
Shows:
10,37
